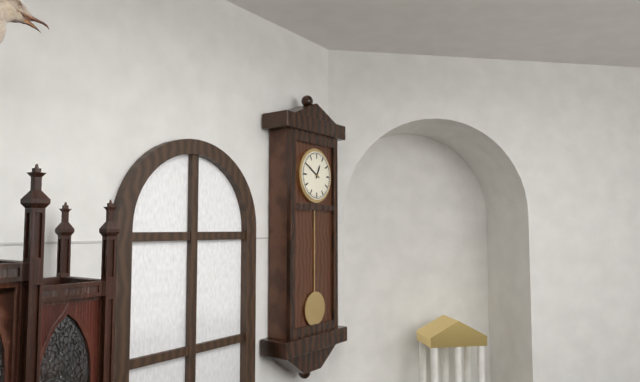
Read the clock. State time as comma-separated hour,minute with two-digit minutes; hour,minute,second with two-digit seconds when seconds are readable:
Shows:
12,50
